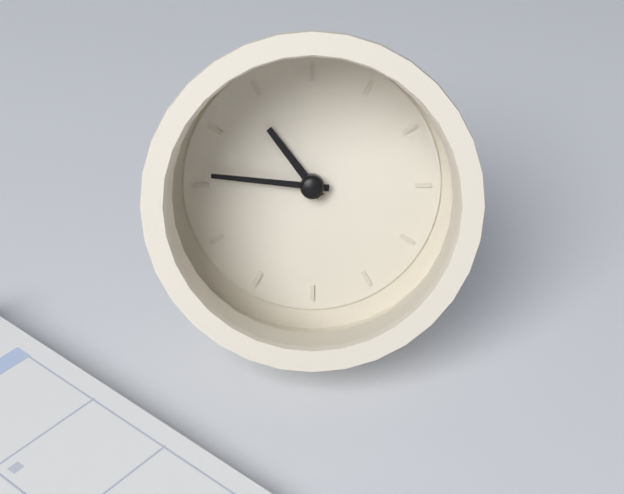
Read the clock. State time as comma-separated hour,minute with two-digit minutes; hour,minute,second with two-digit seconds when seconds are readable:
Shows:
10,46
